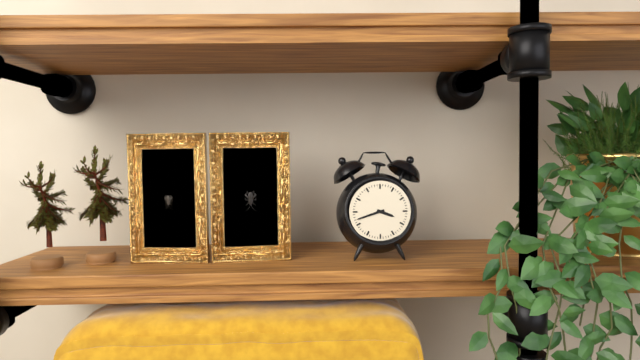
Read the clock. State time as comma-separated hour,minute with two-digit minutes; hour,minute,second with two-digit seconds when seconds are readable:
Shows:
3,42
